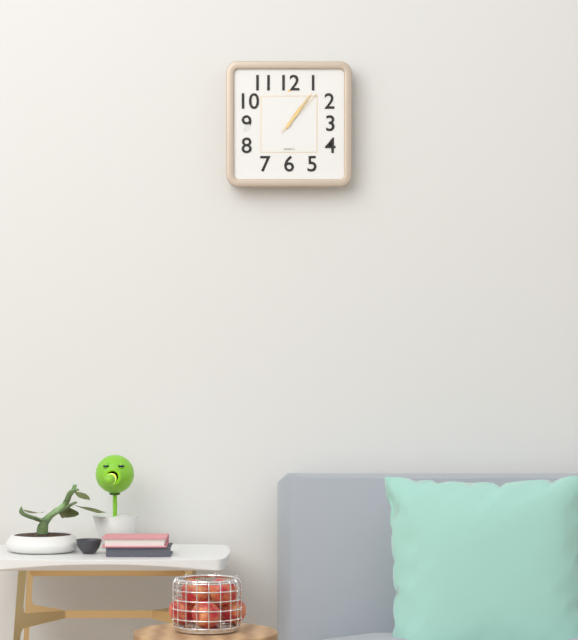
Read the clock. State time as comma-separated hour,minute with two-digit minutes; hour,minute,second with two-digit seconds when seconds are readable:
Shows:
1,06,07
